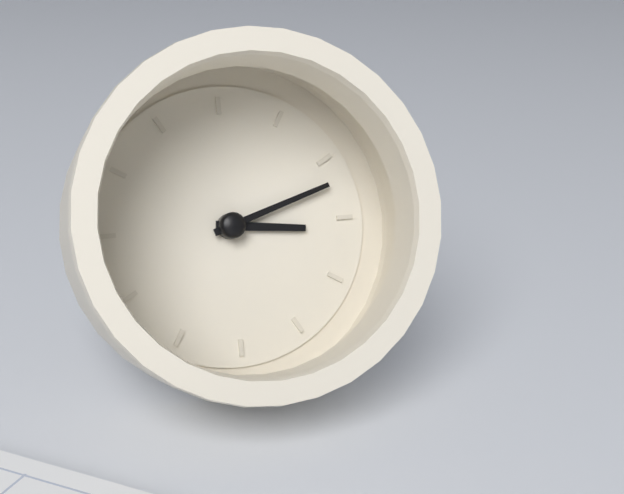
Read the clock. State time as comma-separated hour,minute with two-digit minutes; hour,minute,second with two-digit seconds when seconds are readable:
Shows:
3,12
